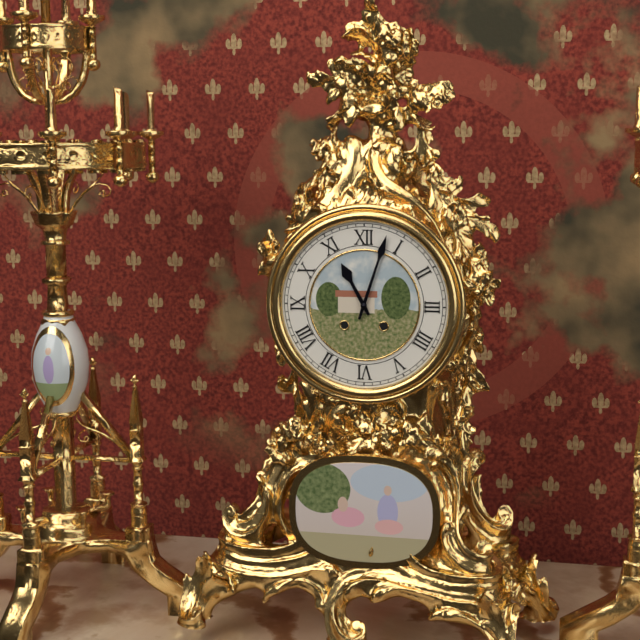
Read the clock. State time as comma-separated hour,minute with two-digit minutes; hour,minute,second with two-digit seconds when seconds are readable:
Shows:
11,03
